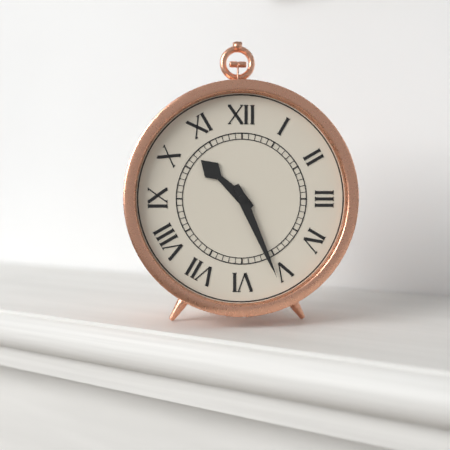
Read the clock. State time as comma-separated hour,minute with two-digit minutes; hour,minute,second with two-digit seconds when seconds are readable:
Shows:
10,26
